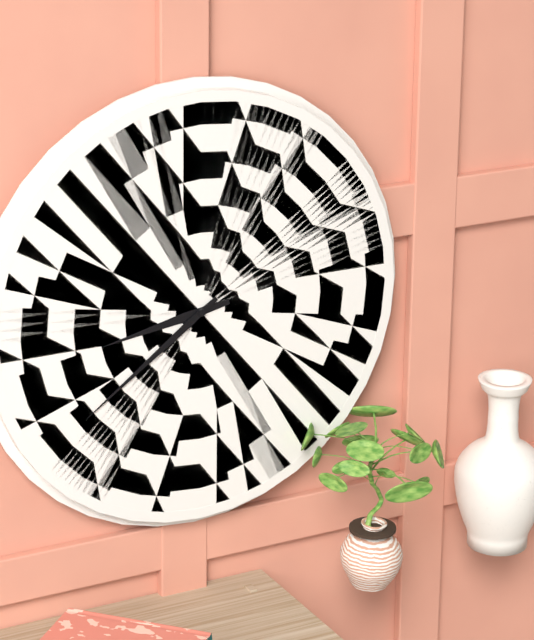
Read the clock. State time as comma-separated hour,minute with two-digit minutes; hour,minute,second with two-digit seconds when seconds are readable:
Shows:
8,39
